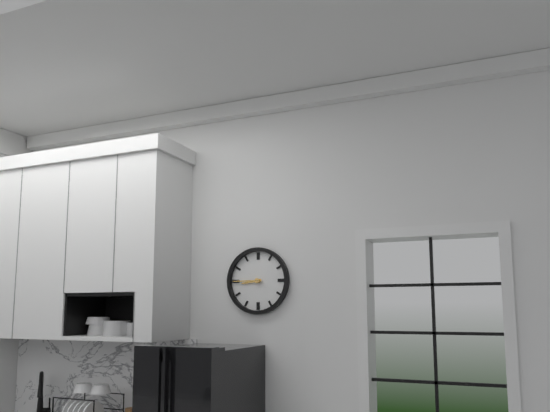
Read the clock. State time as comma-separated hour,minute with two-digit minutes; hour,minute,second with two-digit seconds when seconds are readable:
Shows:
8,45
